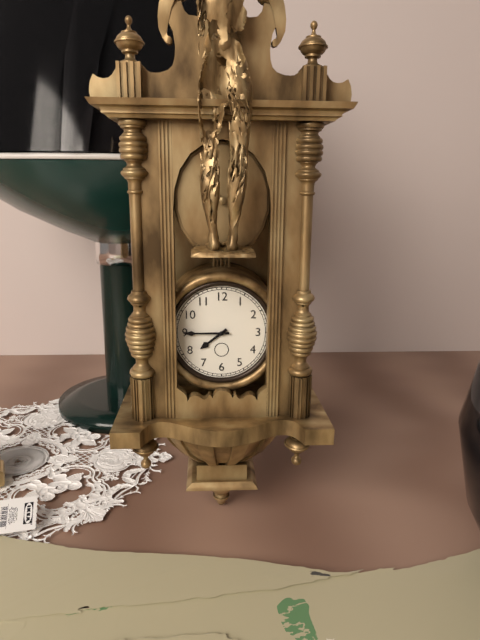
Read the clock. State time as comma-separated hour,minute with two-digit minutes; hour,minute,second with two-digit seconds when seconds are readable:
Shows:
7,45
